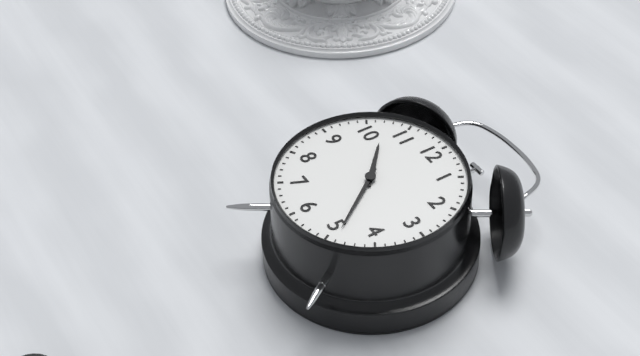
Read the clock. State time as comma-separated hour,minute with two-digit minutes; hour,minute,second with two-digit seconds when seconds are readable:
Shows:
10,24
